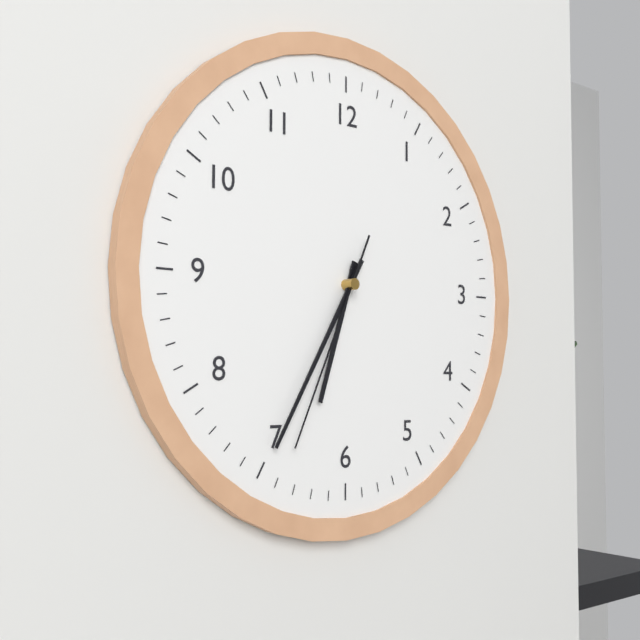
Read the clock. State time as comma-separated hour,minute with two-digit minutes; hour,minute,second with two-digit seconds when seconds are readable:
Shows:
6,35,34
